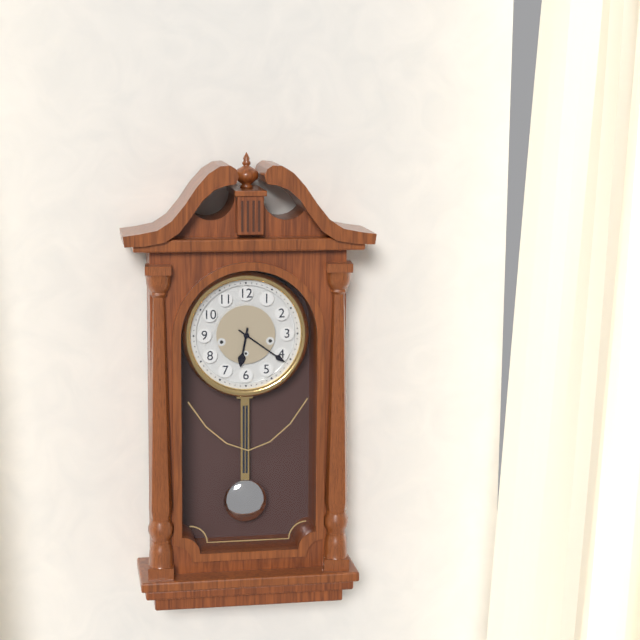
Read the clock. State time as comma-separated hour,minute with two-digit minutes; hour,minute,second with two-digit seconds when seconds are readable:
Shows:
6,21
